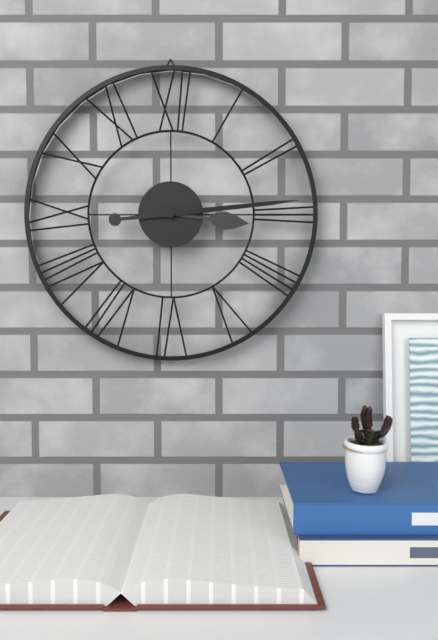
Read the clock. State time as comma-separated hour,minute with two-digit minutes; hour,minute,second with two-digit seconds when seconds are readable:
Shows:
3,14
